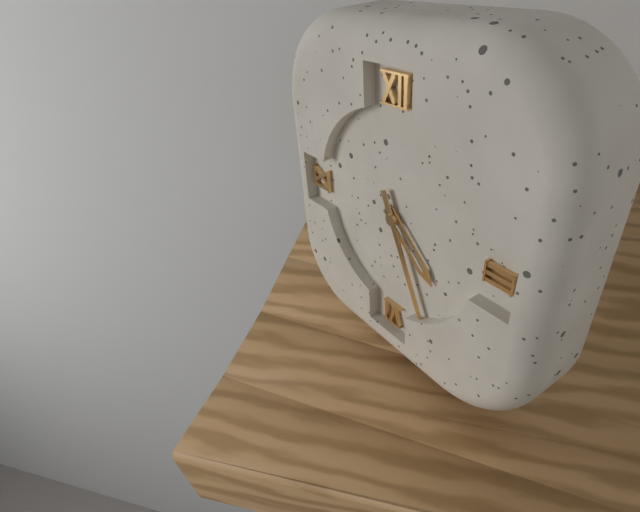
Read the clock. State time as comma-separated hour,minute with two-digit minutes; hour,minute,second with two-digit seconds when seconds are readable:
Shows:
4,26
